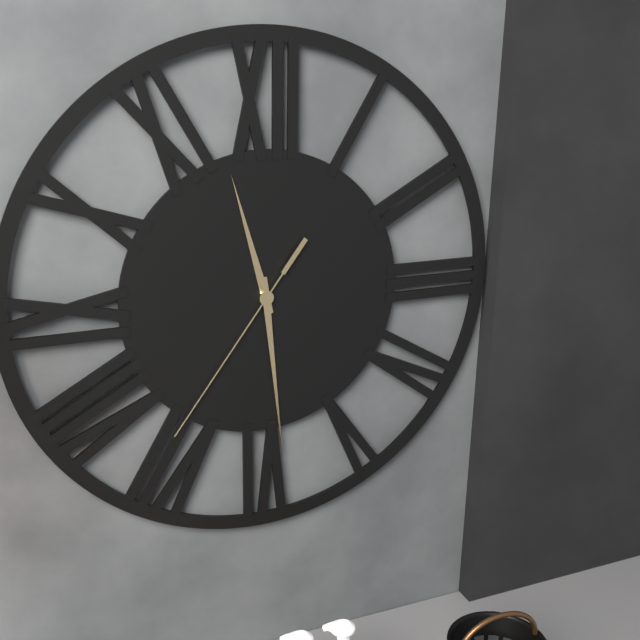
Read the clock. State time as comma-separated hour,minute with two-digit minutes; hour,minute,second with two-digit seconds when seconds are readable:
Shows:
11,29,36
